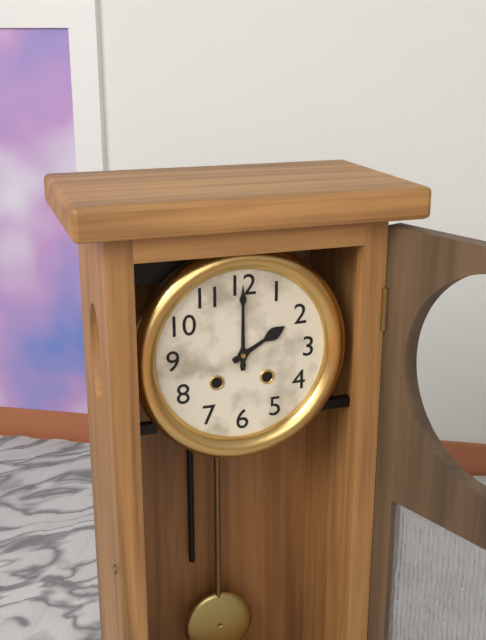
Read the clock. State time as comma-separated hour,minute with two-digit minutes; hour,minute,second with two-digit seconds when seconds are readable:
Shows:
2,00
